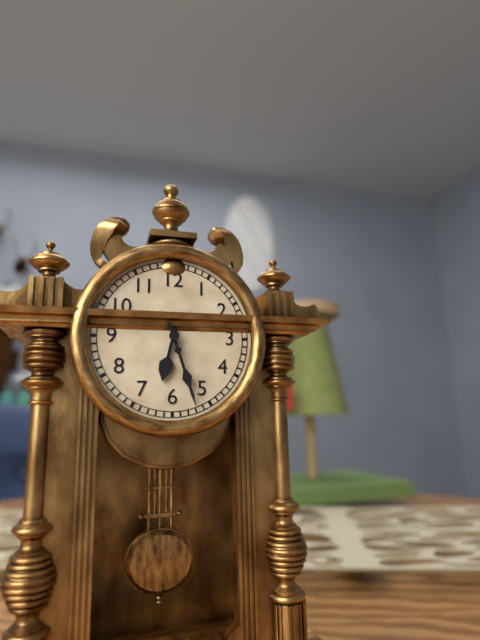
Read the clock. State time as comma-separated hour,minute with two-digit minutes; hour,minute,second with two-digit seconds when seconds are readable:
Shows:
6,27
